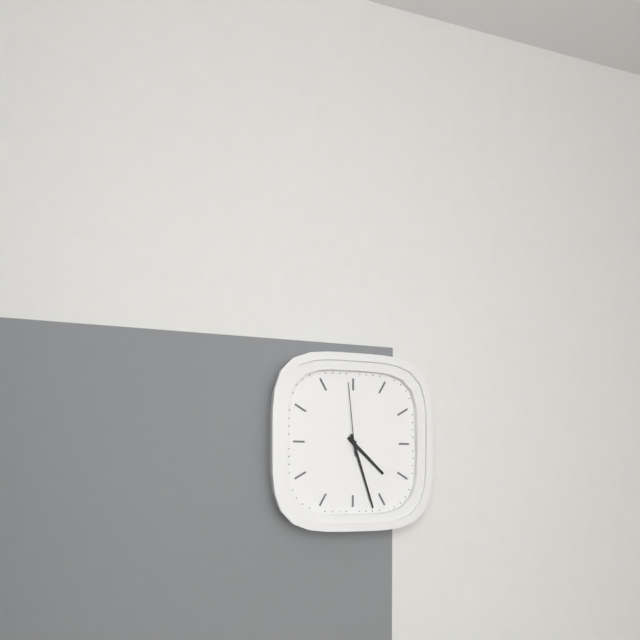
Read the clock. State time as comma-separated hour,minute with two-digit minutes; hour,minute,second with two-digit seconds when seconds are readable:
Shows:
4,27,59
